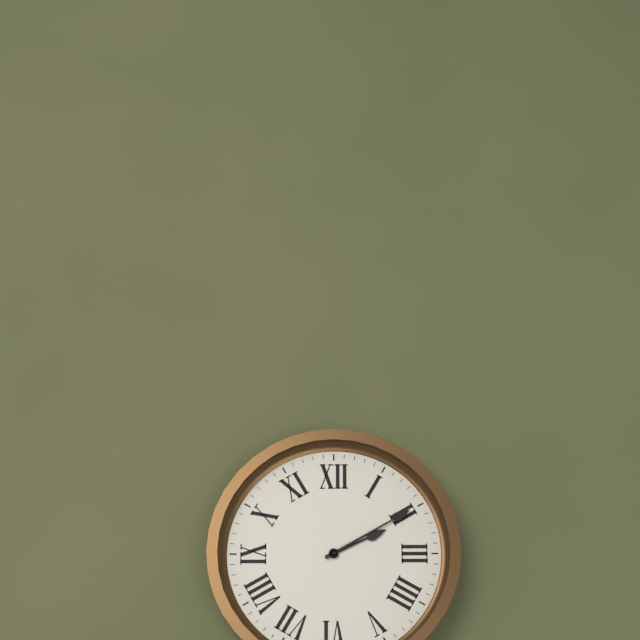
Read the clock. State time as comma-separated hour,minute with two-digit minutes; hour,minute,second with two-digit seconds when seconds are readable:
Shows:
2,10
